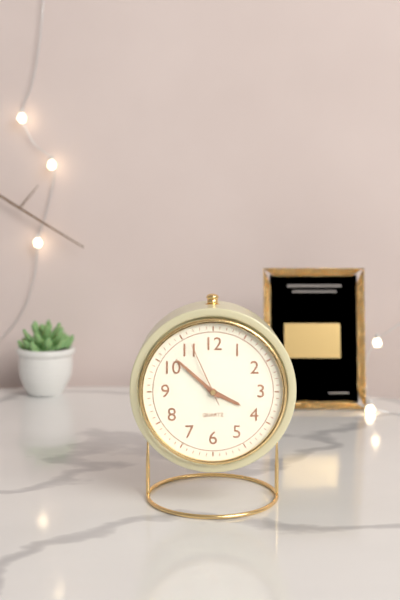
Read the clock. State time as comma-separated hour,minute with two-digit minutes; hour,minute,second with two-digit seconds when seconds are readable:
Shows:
3,52,56
